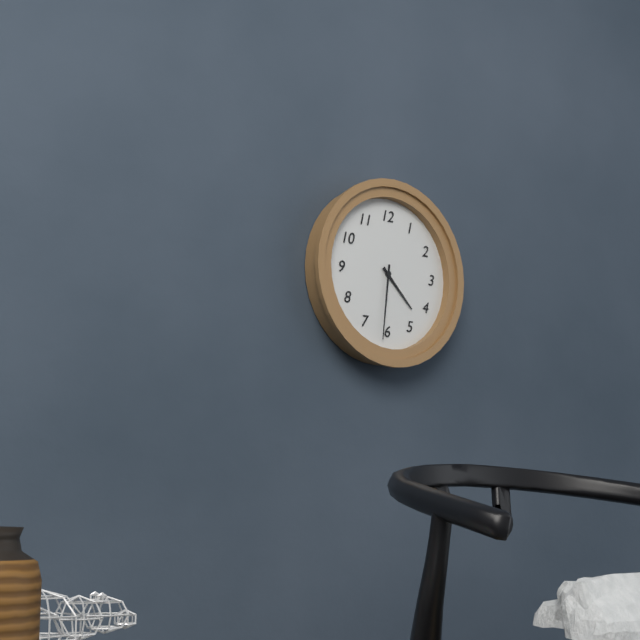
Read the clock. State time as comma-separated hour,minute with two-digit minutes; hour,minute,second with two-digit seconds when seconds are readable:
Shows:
4,31
